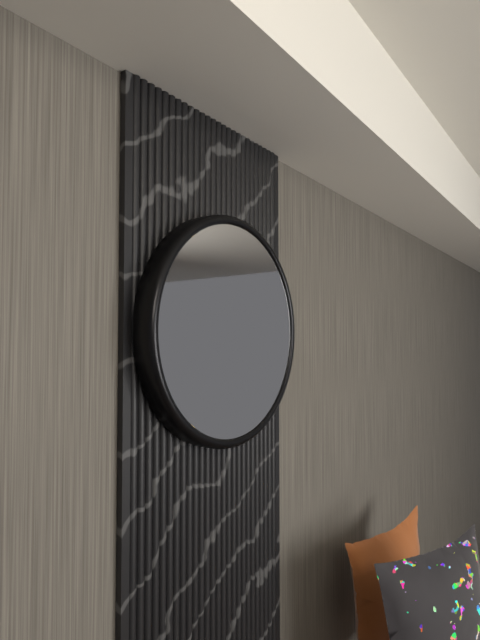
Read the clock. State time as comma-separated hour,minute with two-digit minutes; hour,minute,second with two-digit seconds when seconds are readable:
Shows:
4,38
